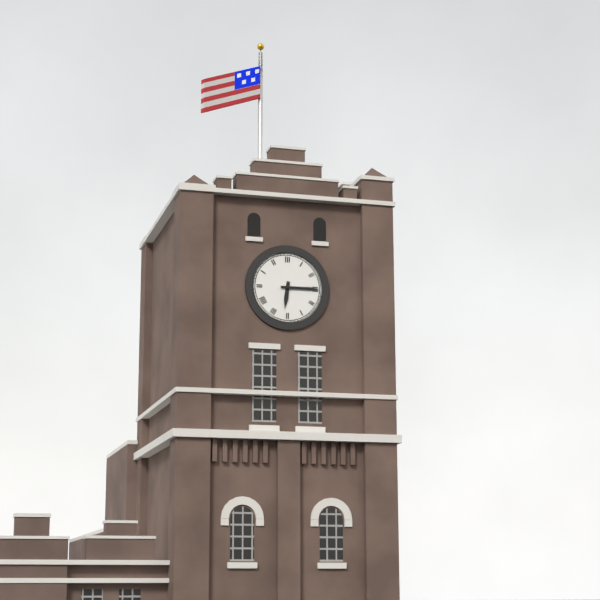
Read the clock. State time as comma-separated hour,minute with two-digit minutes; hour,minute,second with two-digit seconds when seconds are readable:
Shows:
6,15
